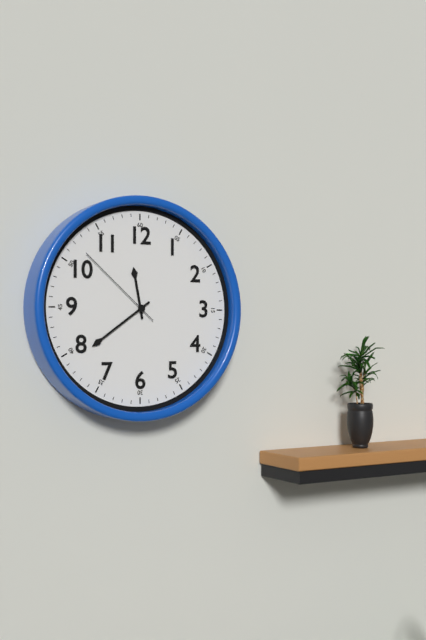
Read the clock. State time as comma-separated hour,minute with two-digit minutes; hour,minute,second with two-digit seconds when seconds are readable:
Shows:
11,39,52
